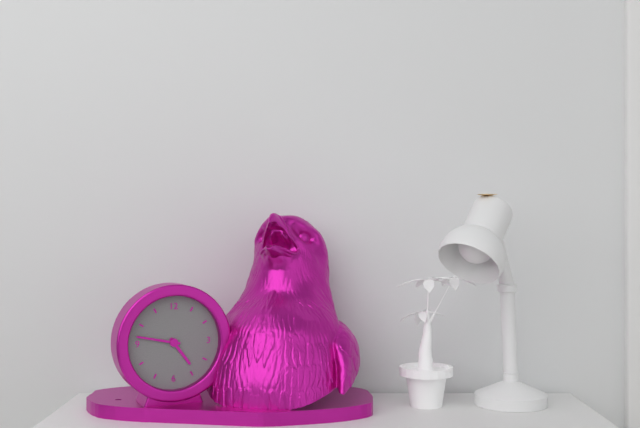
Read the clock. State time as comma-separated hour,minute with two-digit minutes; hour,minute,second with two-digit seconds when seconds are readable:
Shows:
4,47
